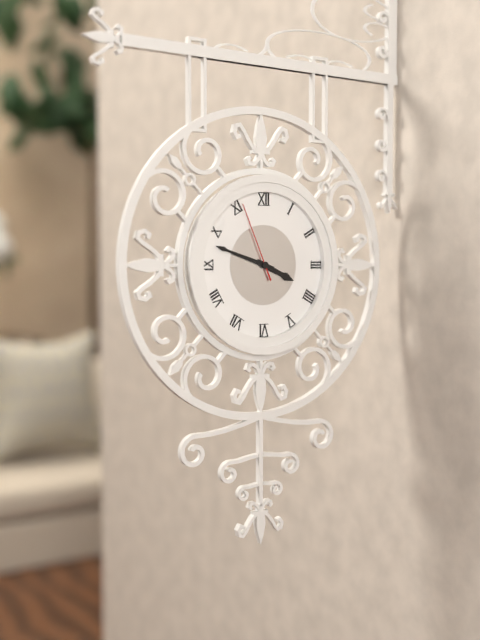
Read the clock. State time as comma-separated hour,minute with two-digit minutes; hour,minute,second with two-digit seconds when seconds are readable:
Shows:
3,48,56
